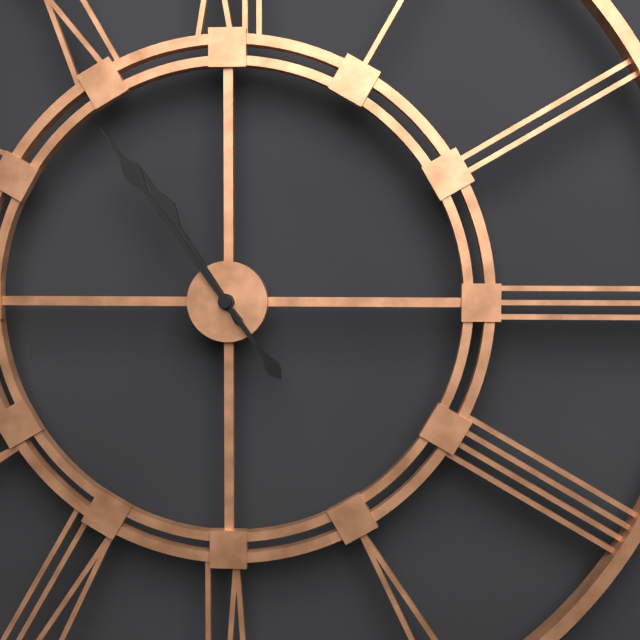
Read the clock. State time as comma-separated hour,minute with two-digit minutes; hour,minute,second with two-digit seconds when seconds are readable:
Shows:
10,54
